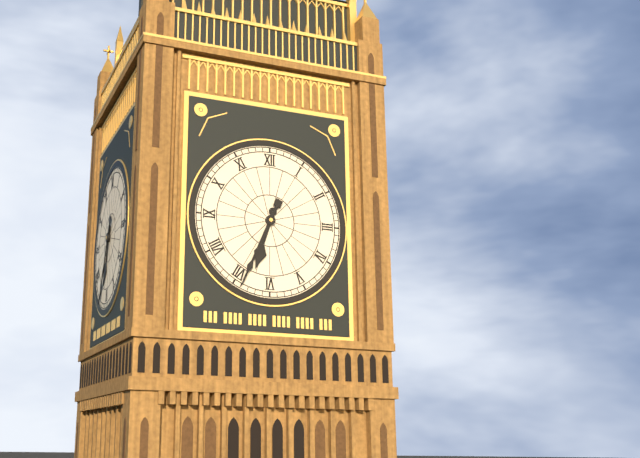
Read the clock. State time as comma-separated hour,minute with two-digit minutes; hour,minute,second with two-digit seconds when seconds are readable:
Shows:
6,34
